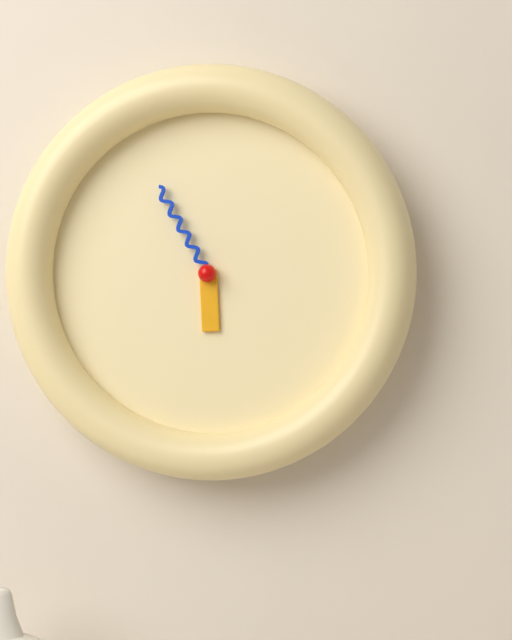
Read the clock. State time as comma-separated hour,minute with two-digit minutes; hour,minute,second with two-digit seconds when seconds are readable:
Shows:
5,55
